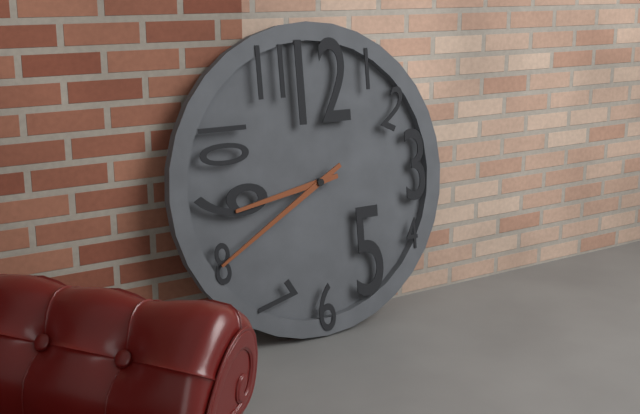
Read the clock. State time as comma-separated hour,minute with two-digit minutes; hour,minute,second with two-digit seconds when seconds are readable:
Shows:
8,40
